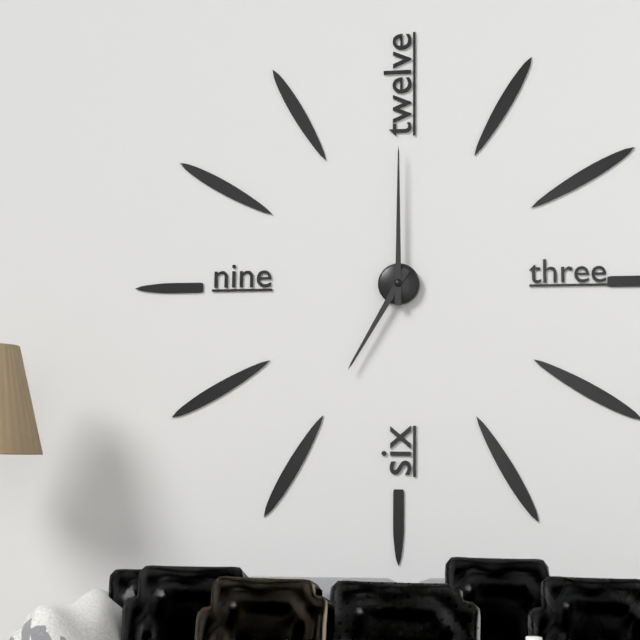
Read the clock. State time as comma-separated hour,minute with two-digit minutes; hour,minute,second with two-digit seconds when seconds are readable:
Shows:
7,00
